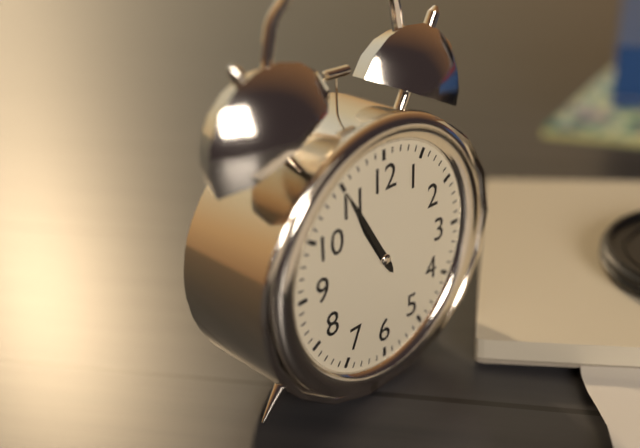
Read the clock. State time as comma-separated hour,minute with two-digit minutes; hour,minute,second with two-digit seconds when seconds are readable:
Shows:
10,55
